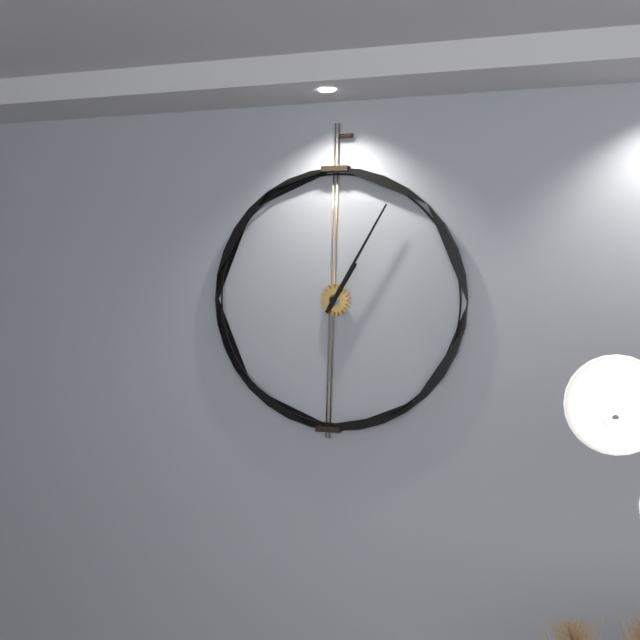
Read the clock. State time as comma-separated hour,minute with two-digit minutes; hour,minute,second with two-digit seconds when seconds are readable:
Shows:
1,05
